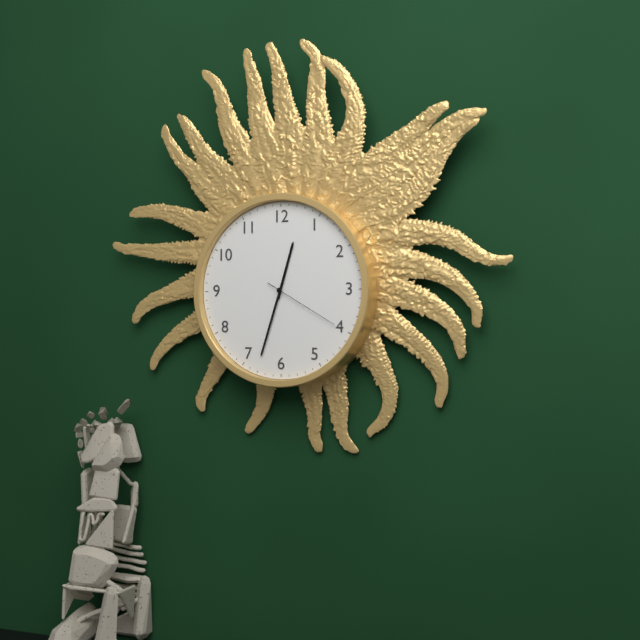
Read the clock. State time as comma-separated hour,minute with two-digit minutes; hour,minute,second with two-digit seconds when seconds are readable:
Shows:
12,33,20
